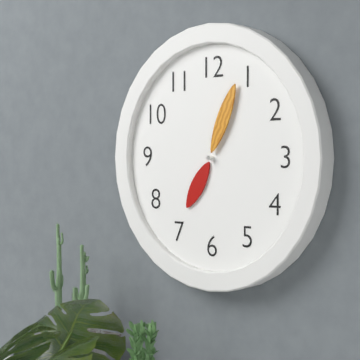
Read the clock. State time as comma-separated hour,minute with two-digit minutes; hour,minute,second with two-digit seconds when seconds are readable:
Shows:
7,04
